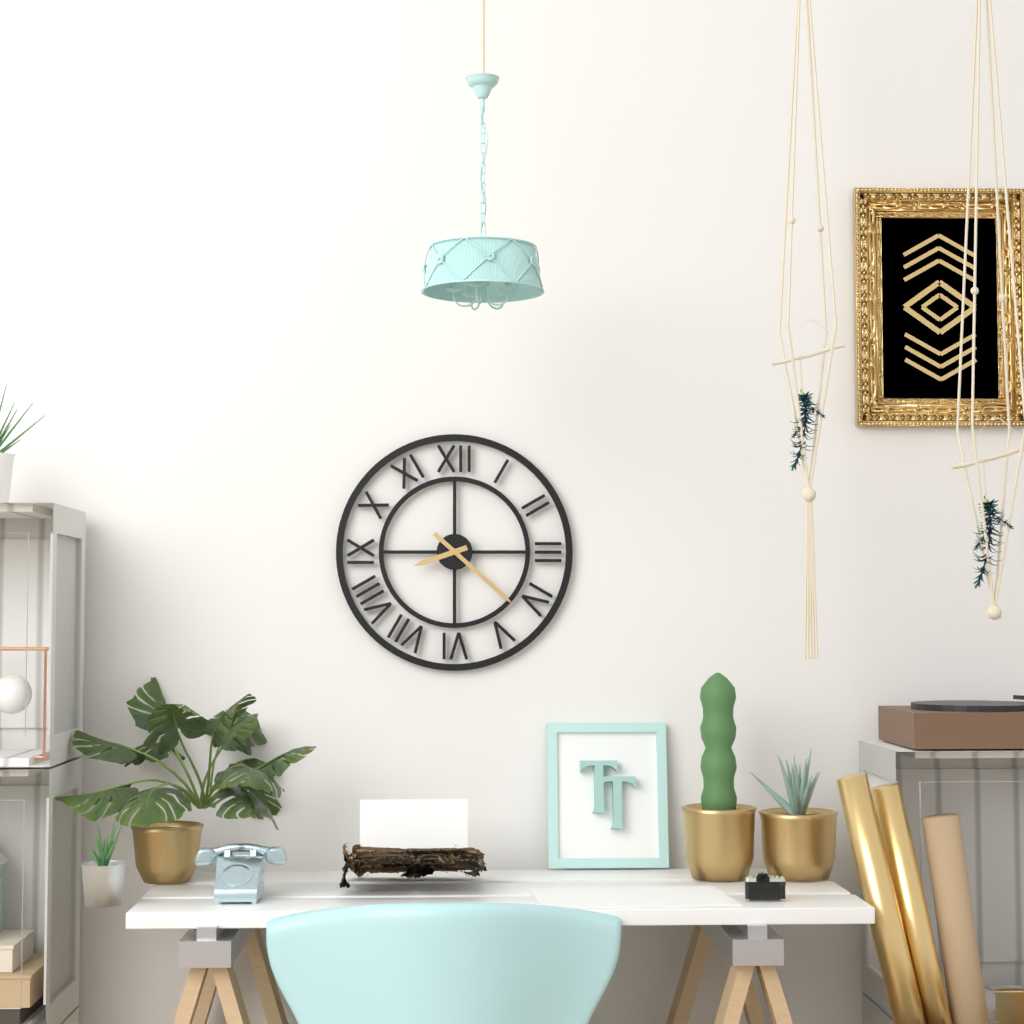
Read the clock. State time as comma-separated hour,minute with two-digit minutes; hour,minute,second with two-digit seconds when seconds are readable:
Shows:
8,22
